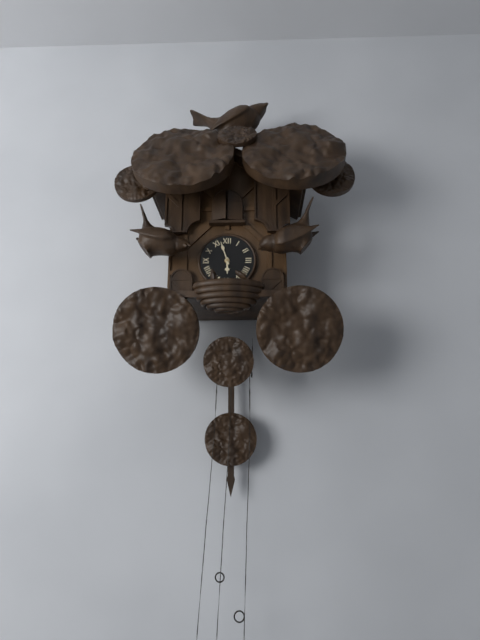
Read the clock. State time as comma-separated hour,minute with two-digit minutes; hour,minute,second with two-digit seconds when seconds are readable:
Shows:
5,57
